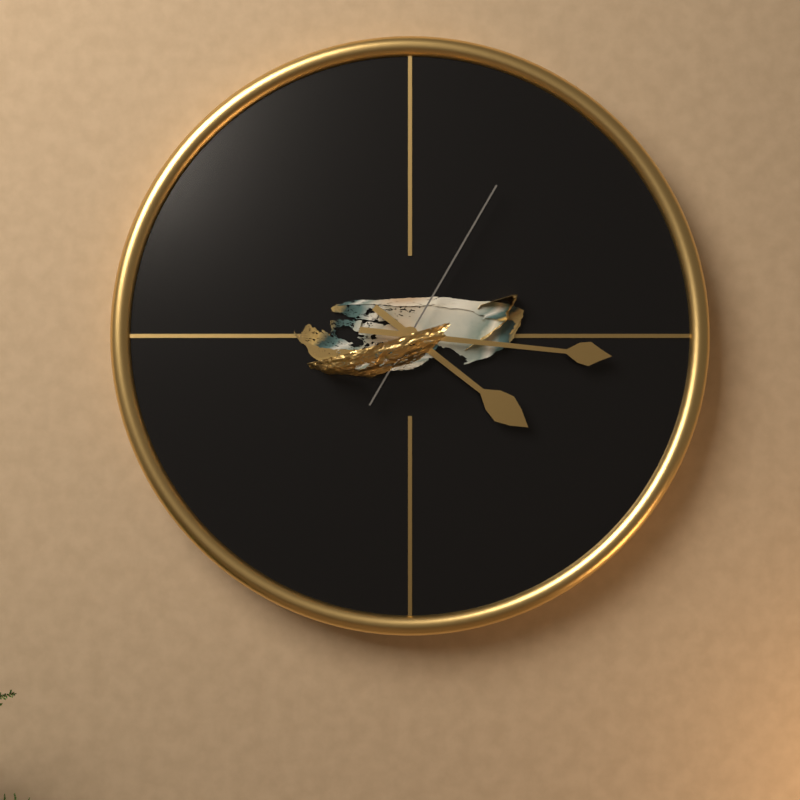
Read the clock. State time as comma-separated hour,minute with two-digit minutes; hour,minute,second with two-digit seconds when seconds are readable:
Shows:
4,16,05
